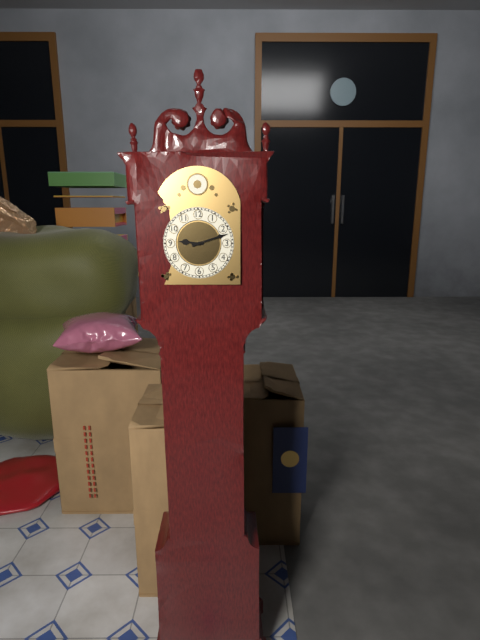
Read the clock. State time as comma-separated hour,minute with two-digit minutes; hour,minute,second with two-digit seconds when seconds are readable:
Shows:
9,12
